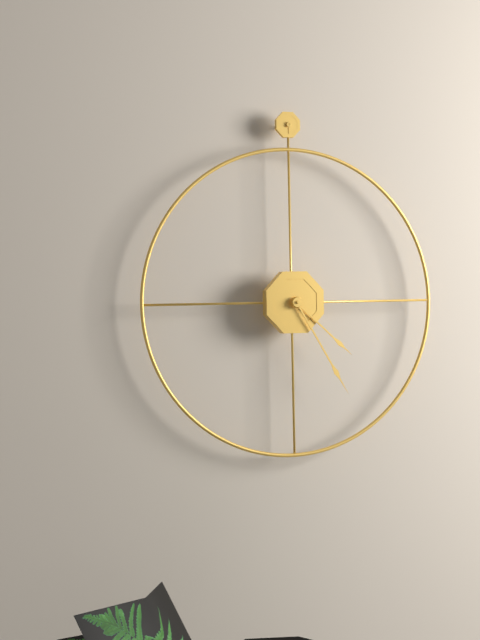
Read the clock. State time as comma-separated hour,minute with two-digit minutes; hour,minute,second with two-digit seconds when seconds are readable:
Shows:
4,25
